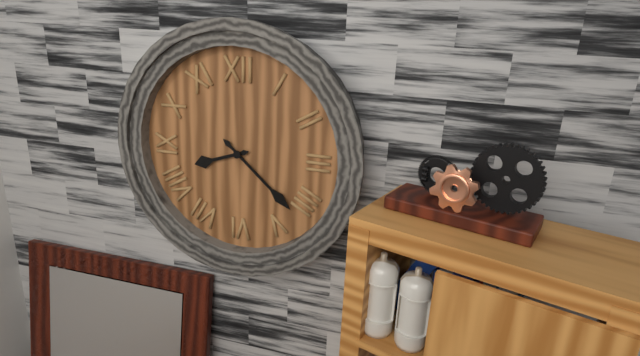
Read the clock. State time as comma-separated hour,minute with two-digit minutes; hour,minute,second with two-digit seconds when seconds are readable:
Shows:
8,22
